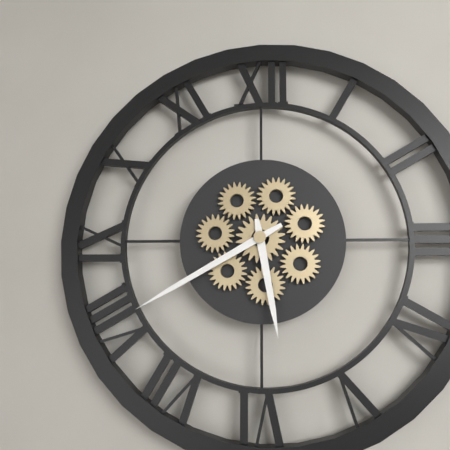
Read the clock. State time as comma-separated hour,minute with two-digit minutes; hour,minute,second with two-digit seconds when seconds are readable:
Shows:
5,40
